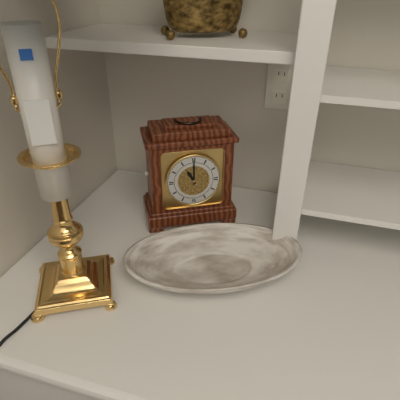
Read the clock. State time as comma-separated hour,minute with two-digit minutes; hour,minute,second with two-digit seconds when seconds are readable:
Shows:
11,00
